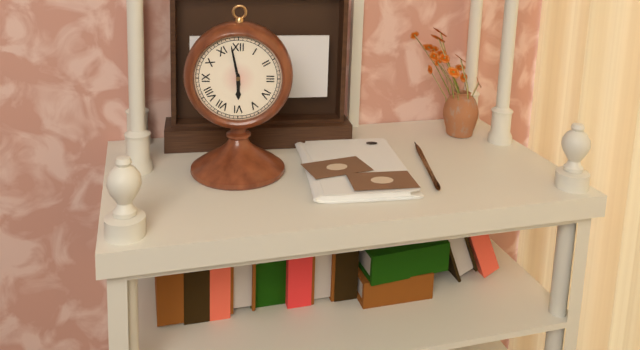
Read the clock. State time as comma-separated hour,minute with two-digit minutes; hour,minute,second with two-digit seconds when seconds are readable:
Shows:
5,58
